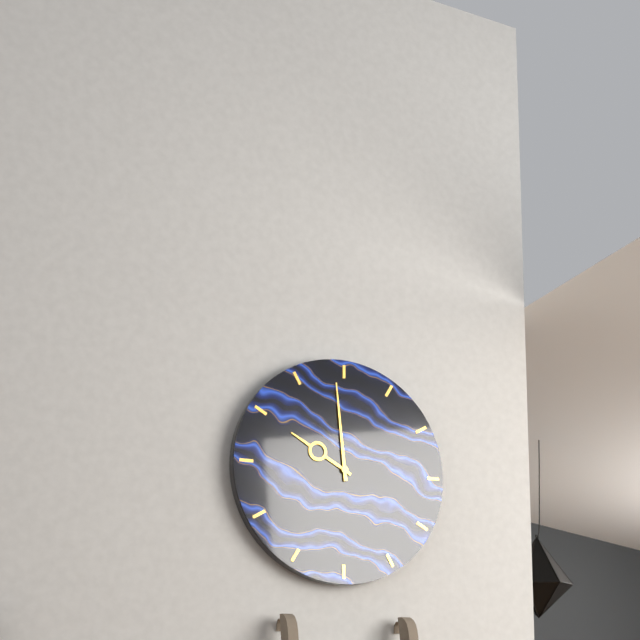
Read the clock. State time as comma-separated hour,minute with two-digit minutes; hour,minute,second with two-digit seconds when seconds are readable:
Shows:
9,59
